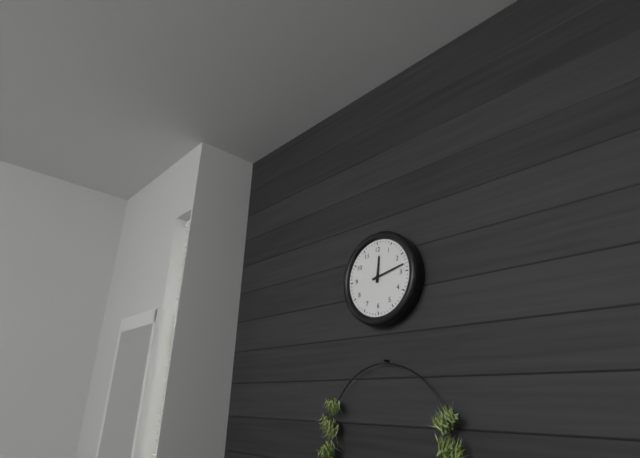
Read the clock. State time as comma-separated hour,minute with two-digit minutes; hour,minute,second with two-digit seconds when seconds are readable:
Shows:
12,13
